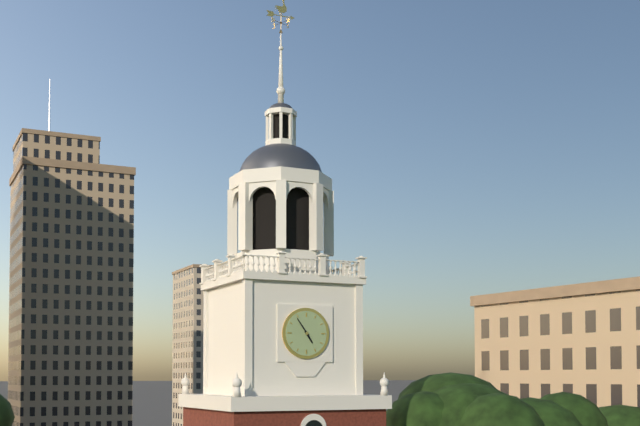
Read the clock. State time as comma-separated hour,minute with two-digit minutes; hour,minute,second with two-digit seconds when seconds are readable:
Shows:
4,54
